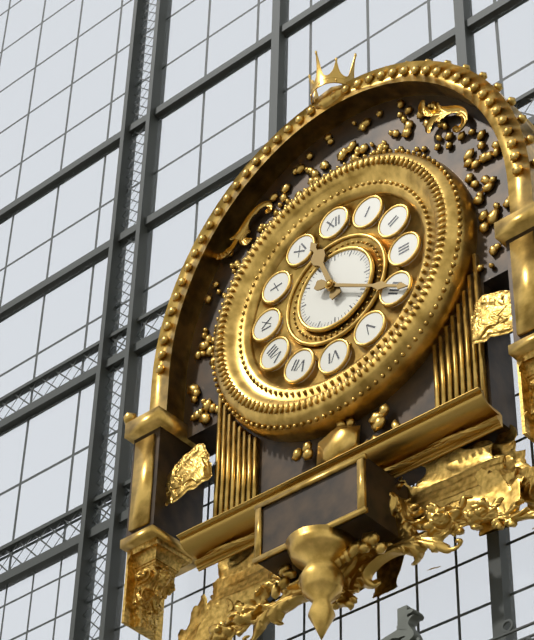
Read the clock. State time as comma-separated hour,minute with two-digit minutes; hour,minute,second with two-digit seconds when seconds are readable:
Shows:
11,20
